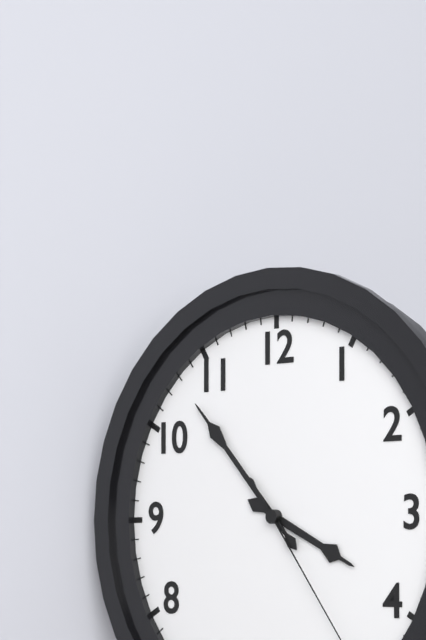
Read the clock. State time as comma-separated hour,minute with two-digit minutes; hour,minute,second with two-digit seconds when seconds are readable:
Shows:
3,53
